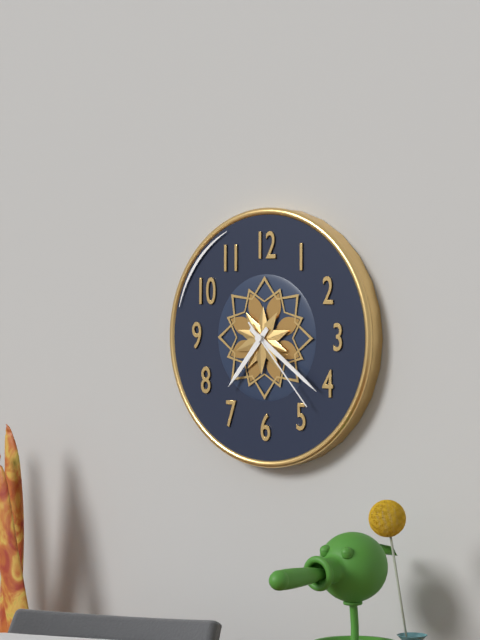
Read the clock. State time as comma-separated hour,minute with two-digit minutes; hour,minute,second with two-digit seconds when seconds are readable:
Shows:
7,21,23
